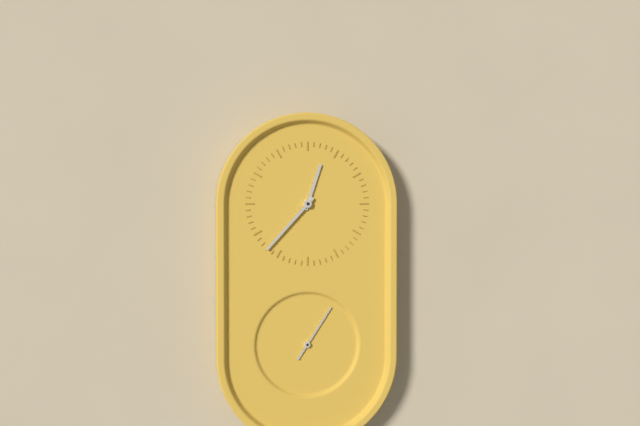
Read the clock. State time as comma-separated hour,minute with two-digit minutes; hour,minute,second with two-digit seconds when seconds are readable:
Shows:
12,37
